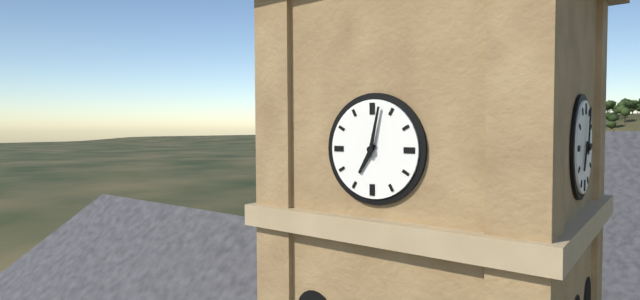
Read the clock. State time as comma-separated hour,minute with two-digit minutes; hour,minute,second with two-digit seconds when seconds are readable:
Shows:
7,02
